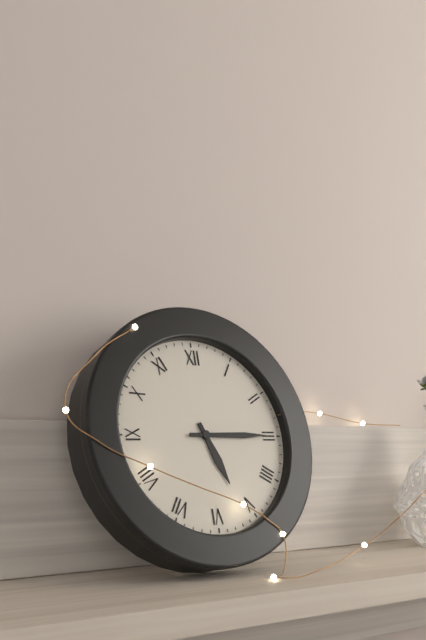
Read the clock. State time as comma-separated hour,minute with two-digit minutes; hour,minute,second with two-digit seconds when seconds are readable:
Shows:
5,15
